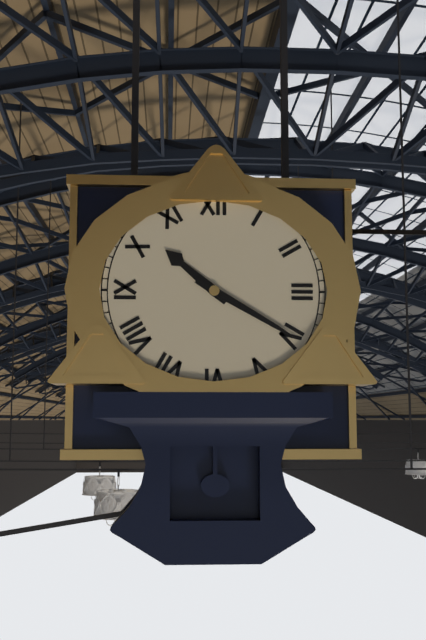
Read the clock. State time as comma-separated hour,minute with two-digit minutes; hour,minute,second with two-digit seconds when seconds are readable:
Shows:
10,20
